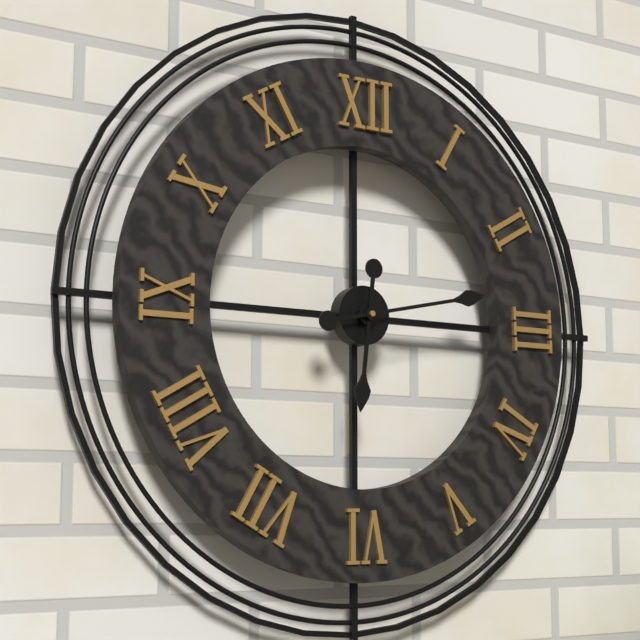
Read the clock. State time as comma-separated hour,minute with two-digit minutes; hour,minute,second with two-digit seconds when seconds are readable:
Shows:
6,13
